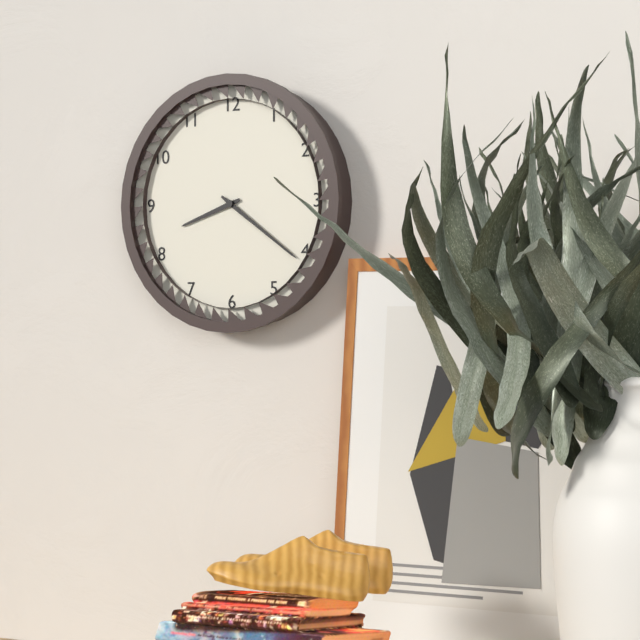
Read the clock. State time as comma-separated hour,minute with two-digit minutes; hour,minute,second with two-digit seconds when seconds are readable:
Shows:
8,21
